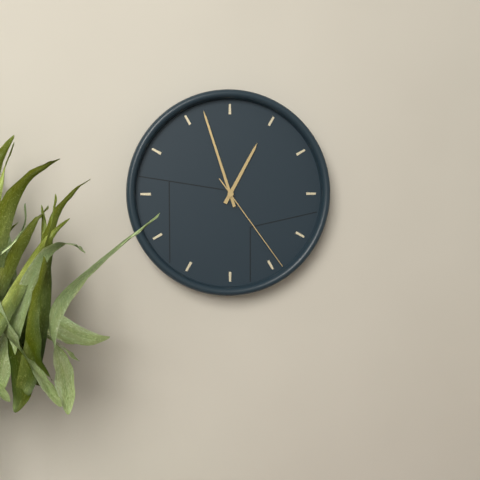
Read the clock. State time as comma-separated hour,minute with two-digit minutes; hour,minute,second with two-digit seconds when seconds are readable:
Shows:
12,57,24
